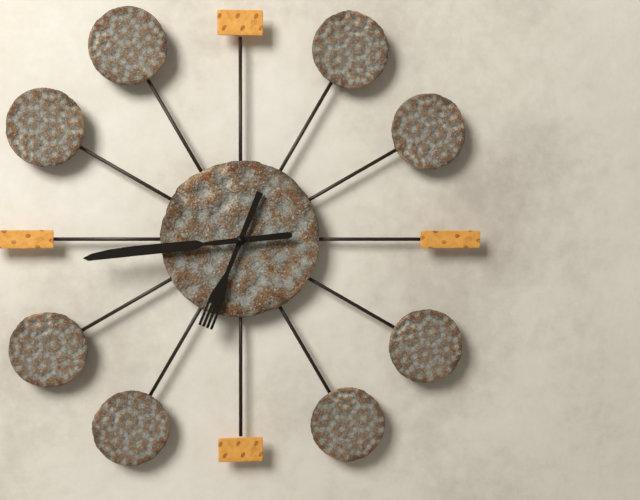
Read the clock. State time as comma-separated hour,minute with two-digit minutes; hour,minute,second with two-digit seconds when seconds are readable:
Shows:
6,44
